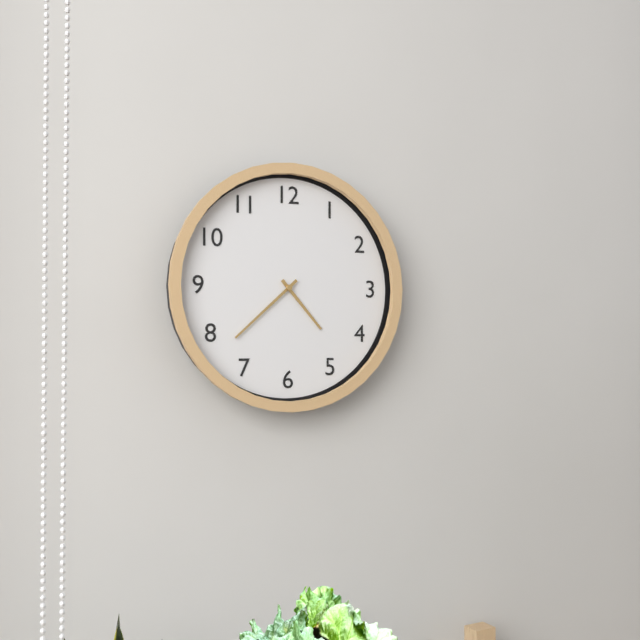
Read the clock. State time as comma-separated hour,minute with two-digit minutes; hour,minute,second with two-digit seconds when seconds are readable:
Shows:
4,38
